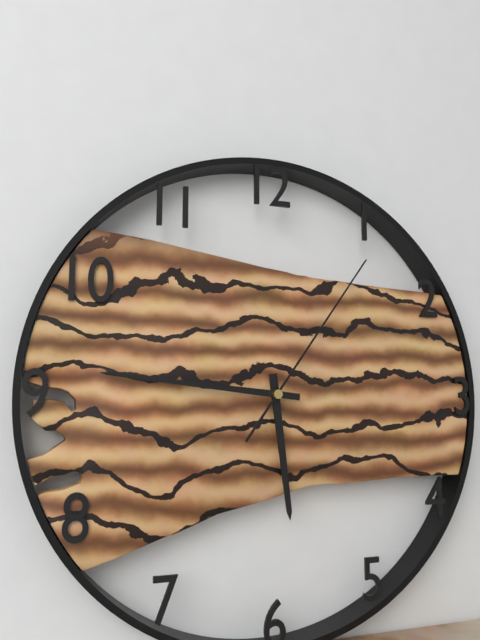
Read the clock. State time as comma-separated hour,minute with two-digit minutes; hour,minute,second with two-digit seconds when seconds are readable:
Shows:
5,46,06
